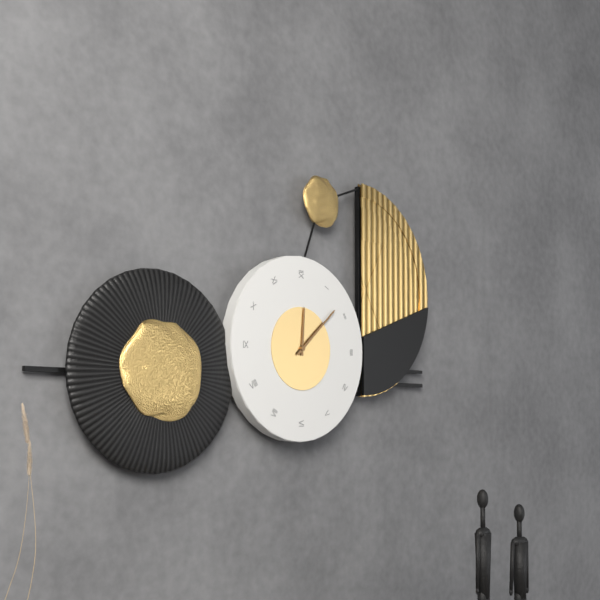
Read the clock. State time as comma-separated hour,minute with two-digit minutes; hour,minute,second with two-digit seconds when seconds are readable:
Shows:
12,08
